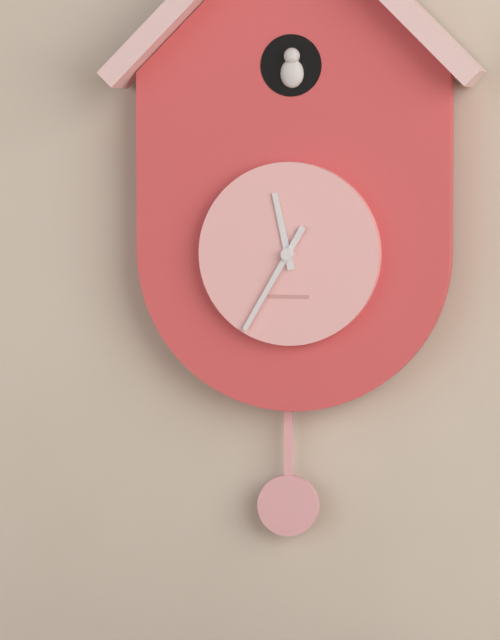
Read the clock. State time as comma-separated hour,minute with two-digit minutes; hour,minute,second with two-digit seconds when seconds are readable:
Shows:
11,35
